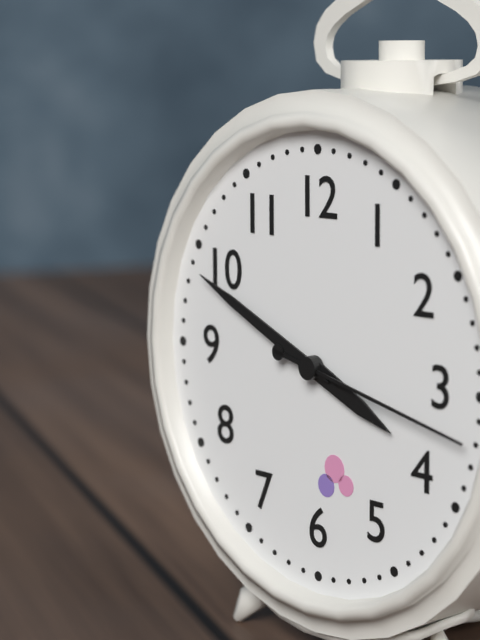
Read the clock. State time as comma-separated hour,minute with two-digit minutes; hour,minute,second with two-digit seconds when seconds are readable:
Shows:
3,49,17
